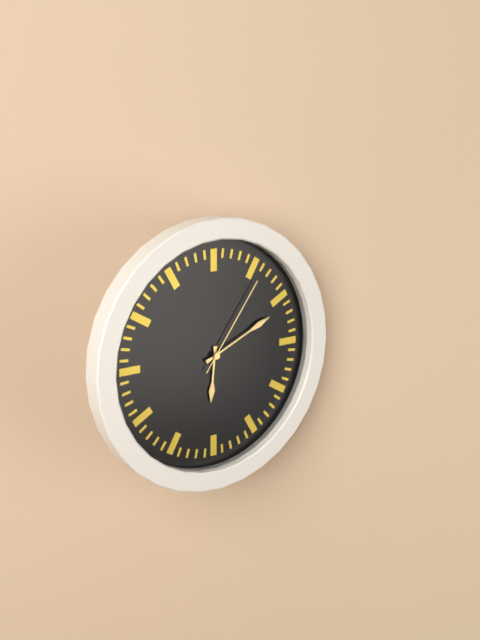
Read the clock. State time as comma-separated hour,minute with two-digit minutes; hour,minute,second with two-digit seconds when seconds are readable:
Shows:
6,11,06
